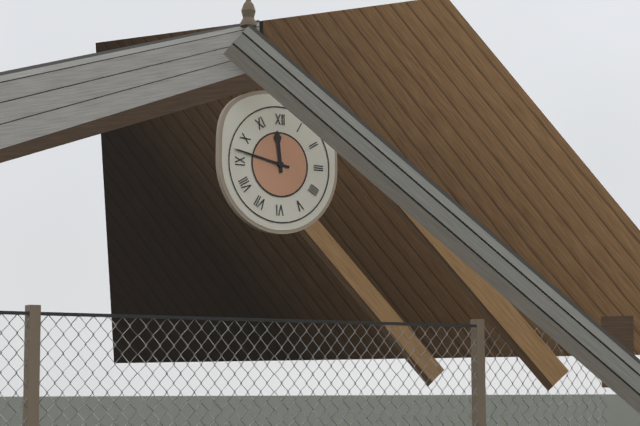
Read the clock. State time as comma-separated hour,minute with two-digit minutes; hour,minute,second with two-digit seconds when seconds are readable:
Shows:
11,47
